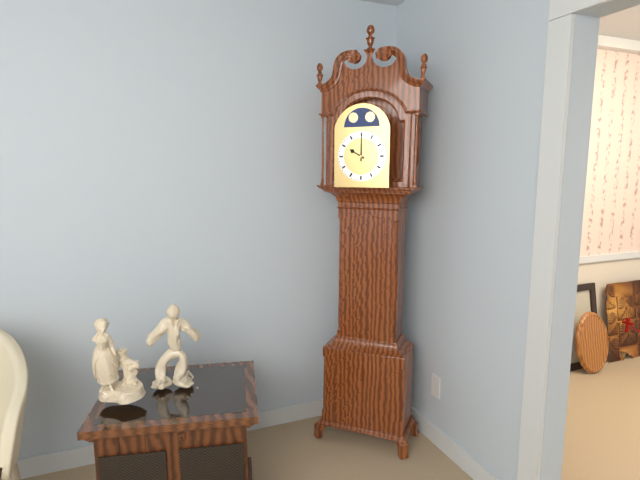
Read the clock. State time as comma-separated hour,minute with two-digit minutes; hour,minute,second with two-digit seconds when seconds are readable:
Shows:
10,00
